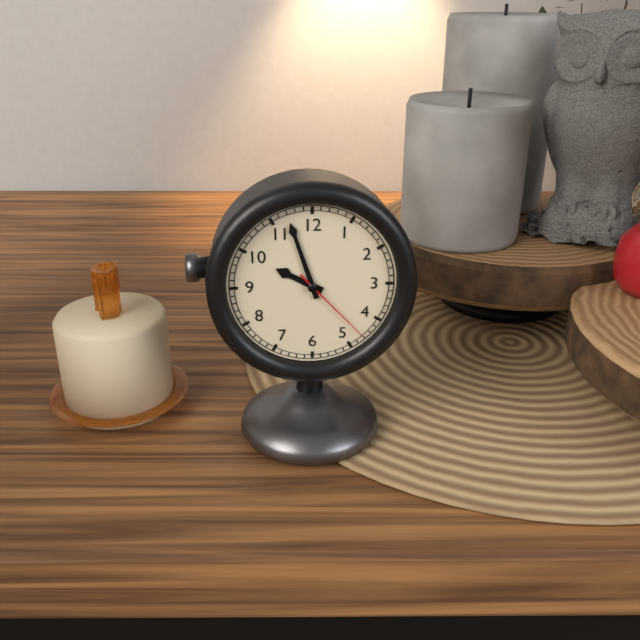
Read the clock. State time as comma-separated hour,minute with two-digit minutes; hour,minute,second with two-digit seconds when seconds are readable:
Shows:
9,57,23
